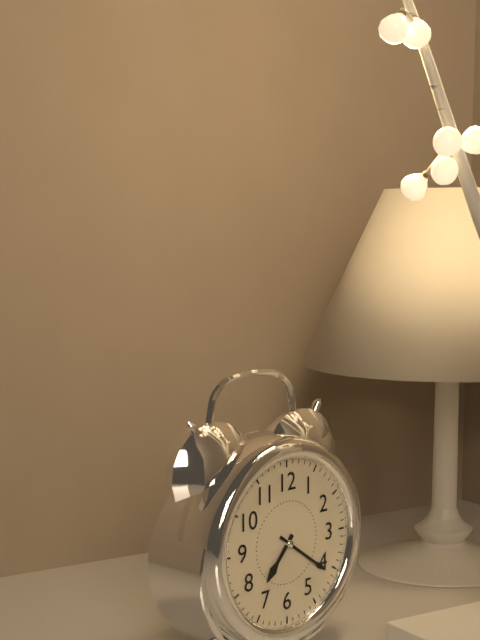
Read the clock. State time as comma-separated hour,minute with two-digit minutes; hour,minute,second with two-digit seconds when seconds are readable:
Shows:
7,21
